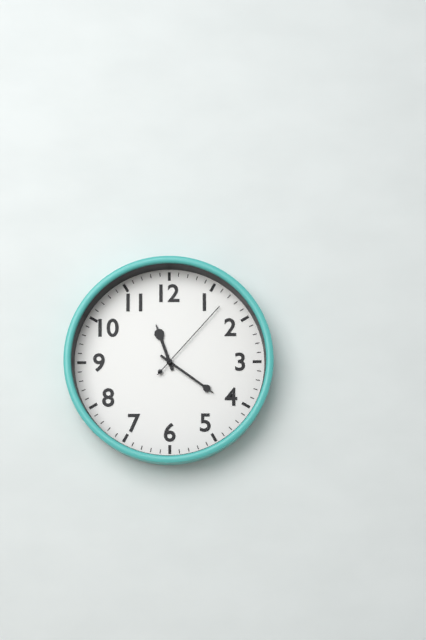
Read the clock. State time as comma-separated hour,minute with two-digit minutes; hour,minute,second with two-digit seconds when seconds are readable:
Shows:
11,21,07
